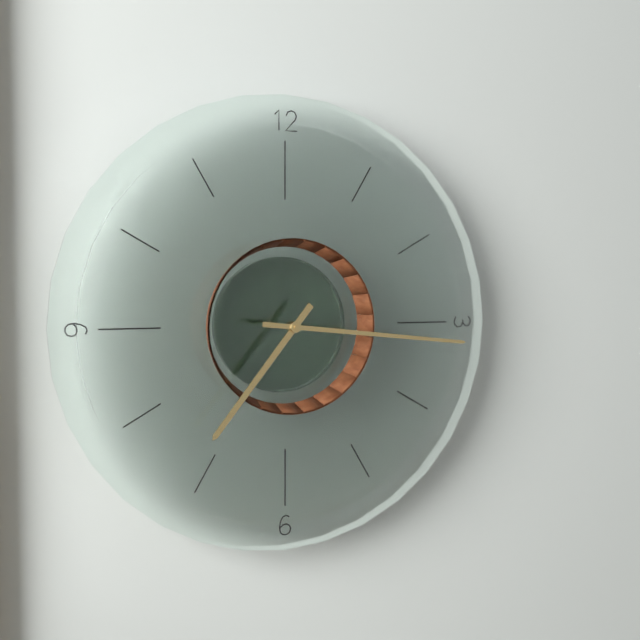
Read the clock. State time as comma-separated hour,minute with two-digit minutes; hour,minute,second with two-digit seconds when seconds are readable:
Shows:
7,16
